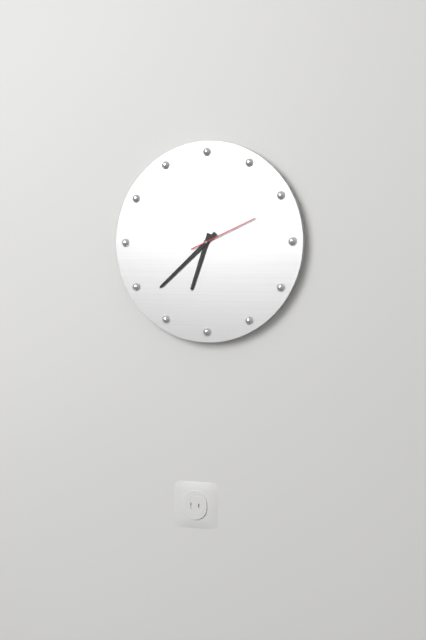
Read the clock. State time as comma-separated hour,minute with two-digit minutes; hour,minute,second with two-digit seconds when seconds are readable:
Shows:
6,38,11
